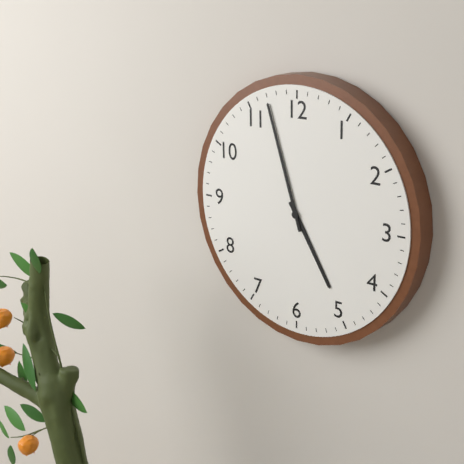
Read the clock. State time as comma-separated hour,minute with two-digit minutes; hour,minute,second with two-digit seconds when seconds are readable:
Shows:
4,57
